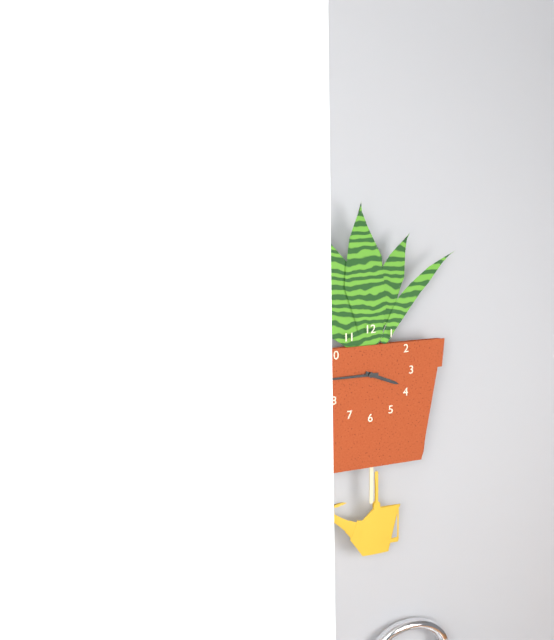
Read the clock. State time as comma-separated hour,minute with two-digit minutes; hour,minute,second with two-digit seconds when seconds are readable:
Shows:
3,45
